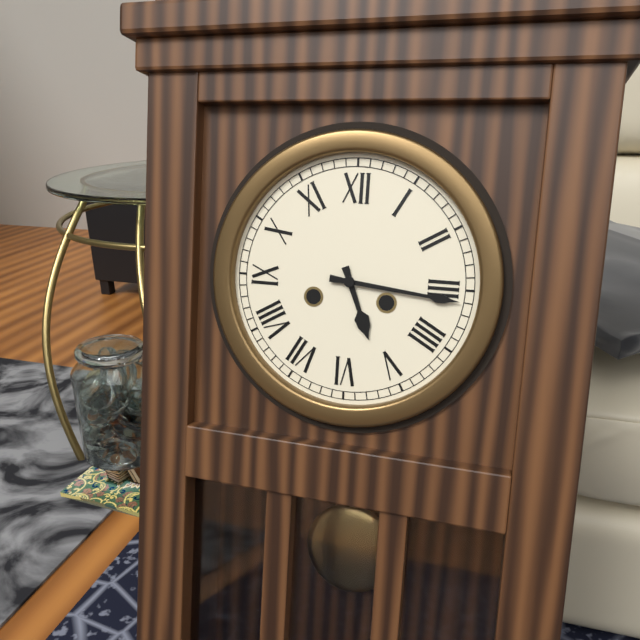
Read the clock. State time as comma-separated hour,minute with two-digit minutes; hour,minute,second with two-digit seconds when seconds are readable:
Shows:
5,16
